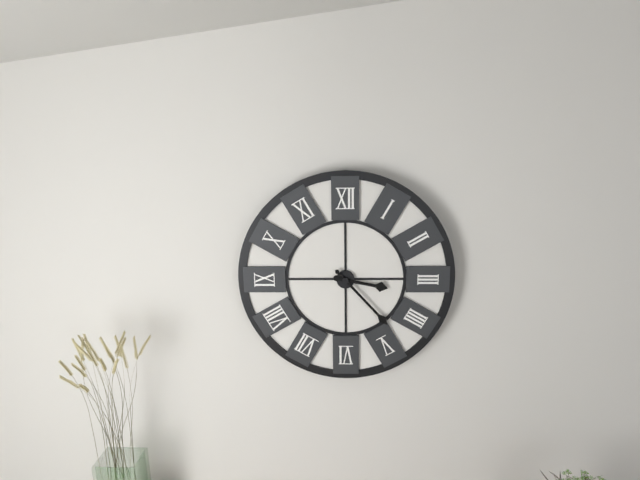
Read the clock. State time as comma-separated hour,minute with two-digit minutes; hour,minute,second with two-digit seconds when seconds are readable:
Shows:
3,23
